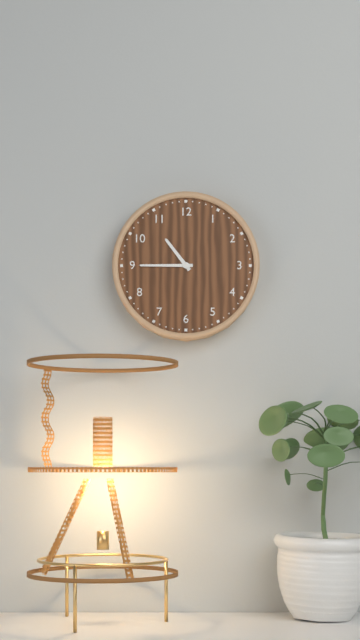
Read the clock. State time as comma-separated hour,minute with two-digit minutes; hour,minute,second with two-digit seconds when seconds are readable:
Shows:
10,45
